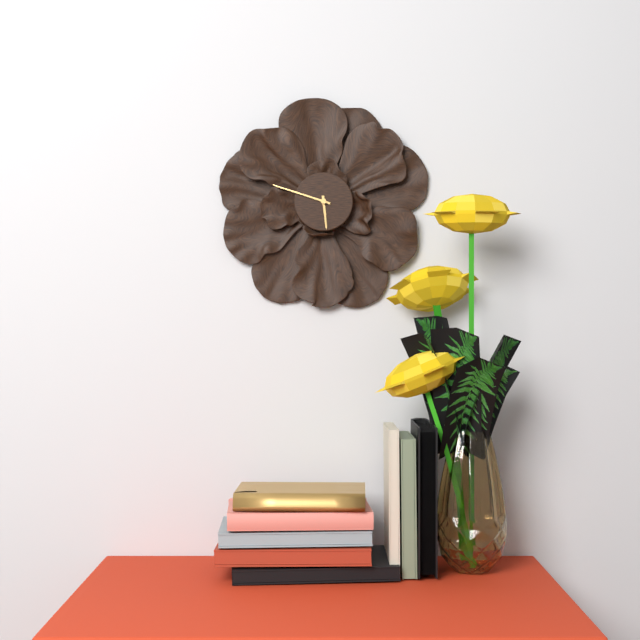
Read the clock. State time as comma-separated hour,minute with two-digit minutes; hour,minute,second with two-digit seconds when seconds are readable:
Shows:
5,48
